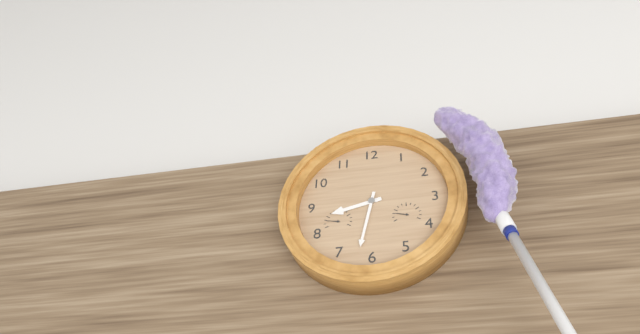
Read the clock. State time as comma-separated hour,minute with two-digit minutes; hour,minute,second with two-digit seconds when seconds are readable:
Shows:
8,32
